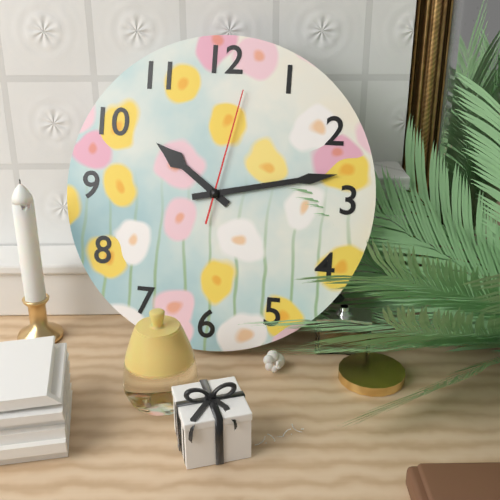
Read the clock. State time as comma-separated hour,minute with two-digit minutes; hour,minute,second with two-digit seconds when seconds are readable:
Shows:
10,13,02
